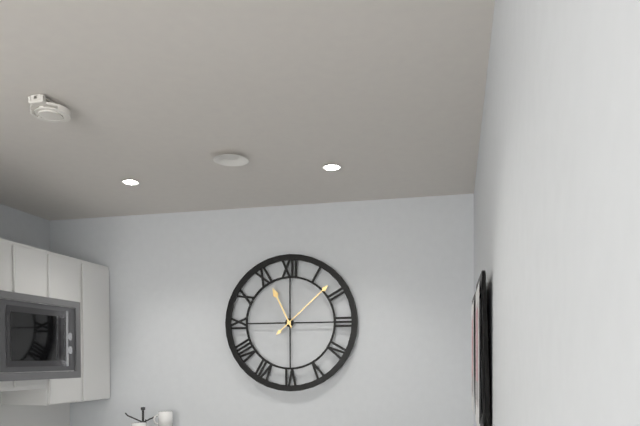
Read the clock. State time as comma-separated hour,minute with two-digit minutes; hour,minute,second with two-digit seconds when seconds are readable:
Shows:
11,08
